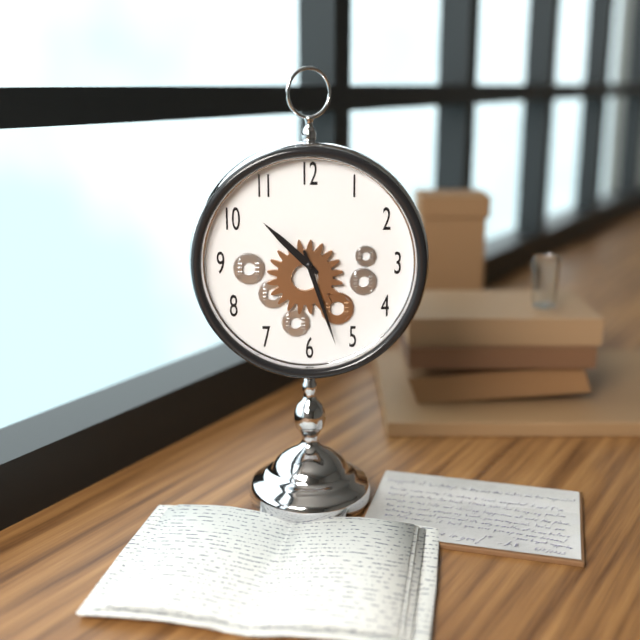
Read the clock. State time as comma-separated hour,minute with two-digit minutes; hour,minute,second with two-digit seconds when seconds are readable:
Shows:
10,27
